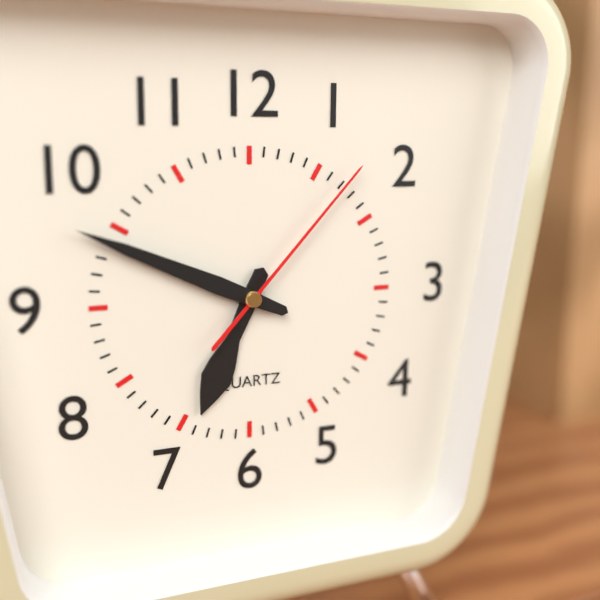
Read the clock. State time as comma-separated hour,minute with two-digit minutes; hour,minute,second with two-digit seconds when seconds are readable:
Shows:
6,49,07
